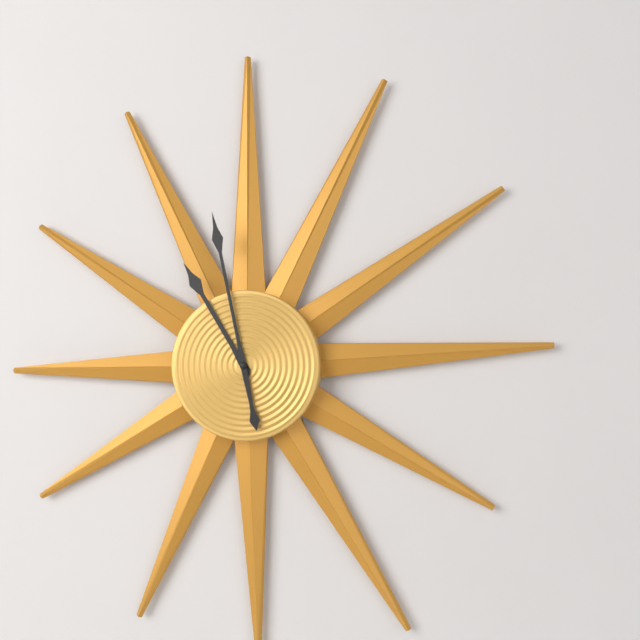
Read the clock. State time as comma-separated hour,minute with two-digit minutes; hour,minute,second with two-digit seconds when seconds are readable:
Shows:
10,58
